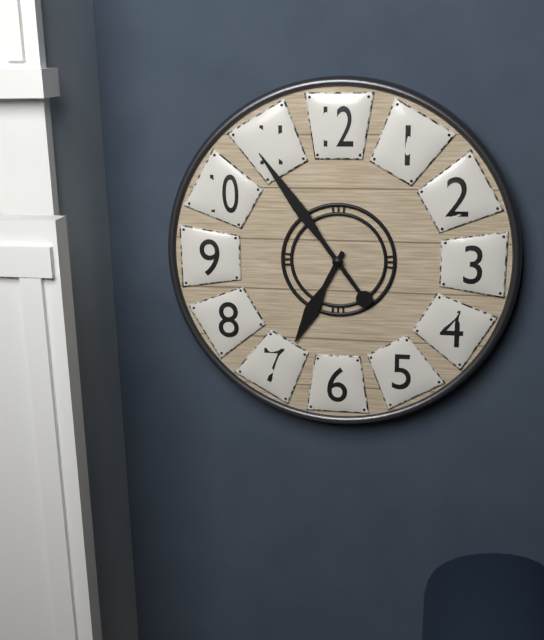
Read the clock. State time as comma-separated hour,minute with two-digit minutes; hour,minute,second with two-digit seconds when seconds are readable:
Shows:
6,54
